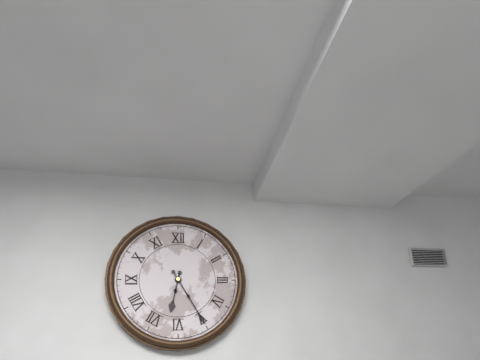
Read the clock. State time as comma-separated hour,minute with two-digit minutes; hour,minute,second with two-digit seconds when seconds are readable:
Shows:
6,25
